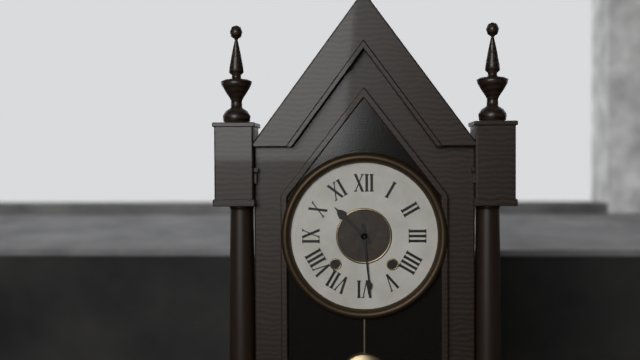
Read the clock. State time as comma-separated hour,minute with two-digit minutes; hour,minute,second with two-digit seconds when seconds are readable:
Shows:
10,29
